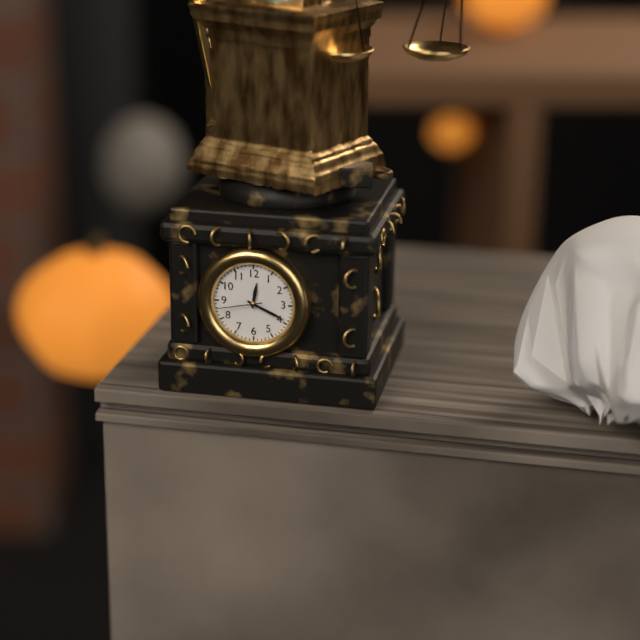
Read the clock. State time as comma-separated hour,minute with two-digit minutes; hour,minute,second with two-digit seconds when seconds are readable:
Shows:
12,19
